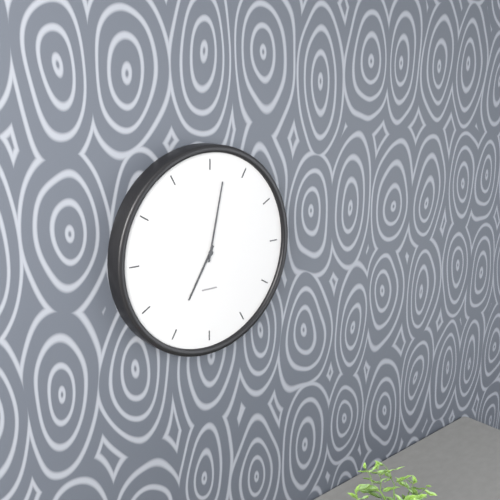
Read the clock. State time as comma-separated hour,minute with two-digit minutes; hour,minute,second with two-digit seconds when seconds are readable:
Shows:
7,02
